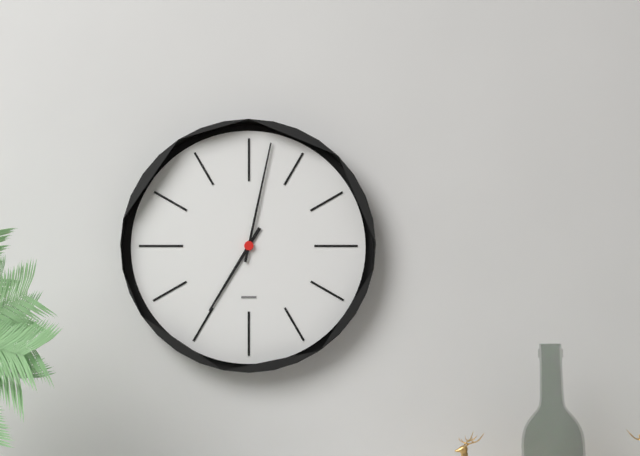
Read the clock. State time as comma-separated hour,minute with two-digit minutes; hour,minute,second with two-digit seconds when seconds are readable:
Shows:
7,02
